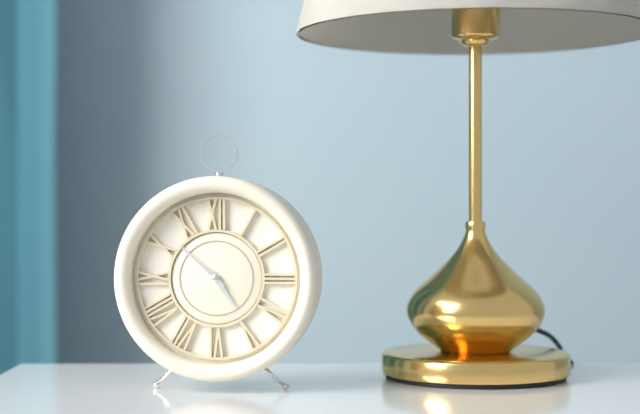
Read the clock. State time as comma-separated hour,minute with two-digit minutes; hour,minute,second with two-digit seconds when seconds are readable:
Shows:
4,52
